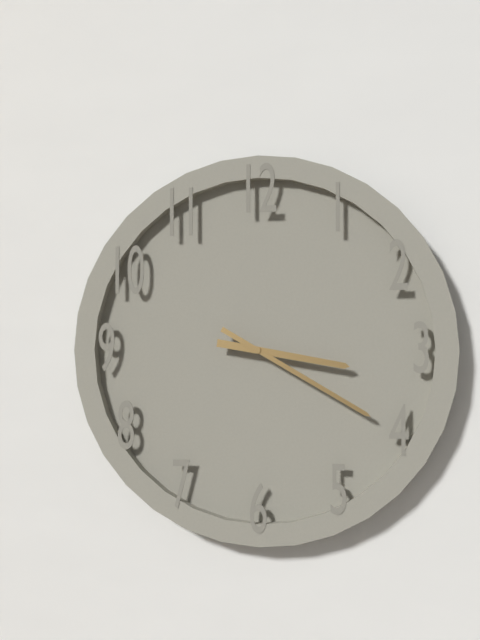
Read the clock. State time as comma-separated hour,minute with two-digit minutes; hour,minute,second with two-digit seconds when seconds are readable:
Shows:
3,20
